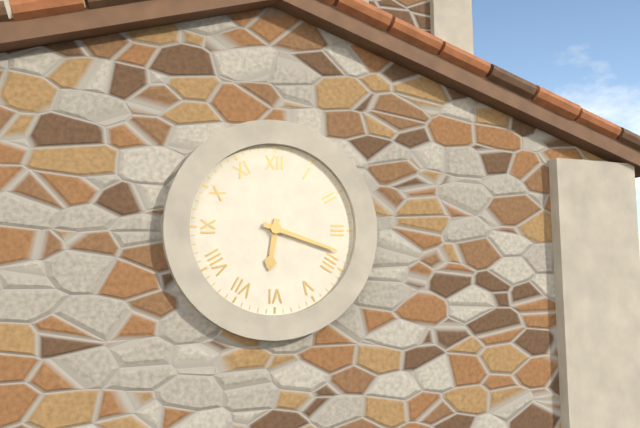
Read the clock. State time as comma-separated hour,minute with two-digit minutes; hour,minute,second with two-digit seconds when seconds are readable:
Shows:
6,18
